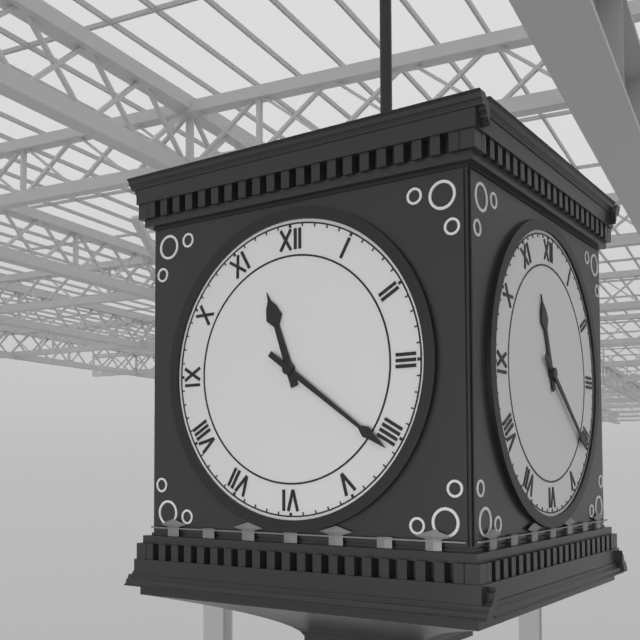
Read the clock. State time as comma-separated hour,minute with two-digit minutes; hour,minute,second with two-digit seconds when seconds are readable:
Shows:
11,21
